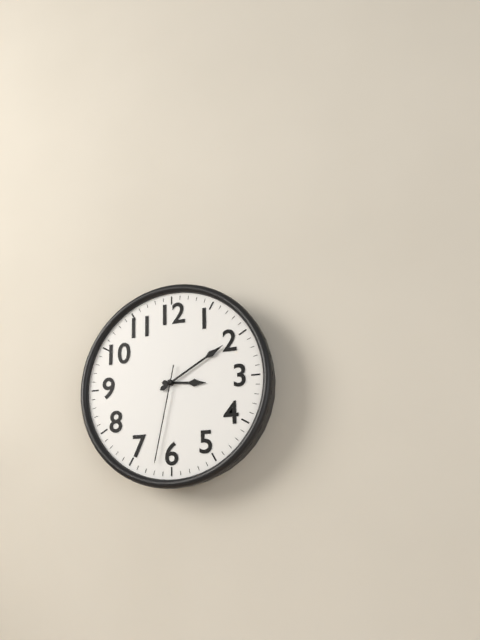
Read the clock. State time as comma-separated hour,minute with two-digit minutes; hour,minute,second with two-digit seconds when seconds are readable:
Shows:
3,10,32
